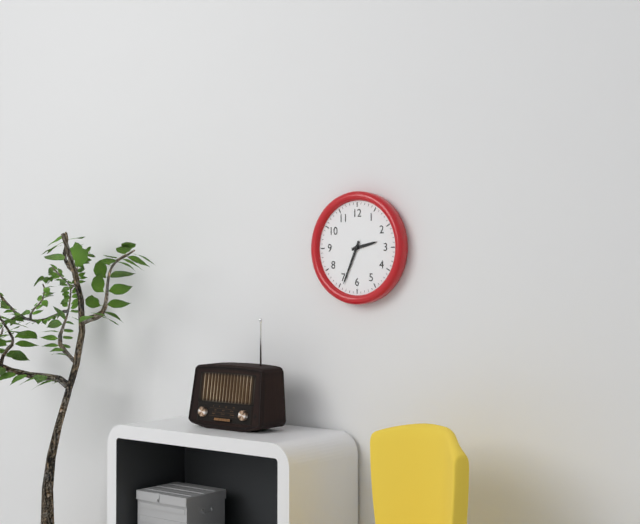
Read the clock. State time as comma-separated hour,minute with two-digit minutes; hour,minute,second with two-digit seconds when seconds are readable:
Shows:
2,34
